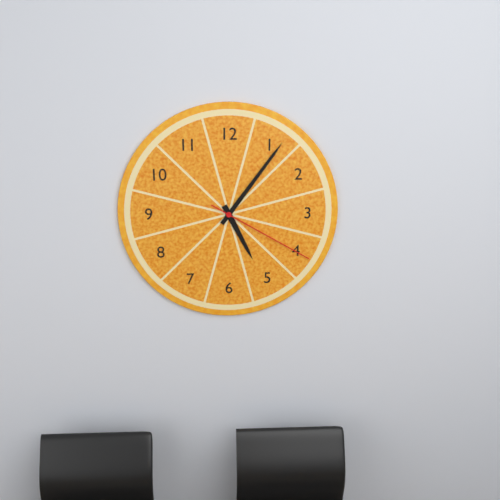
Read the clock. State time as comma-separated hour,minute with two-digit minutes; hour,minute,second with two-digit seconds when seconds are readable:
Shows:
5,06,20
